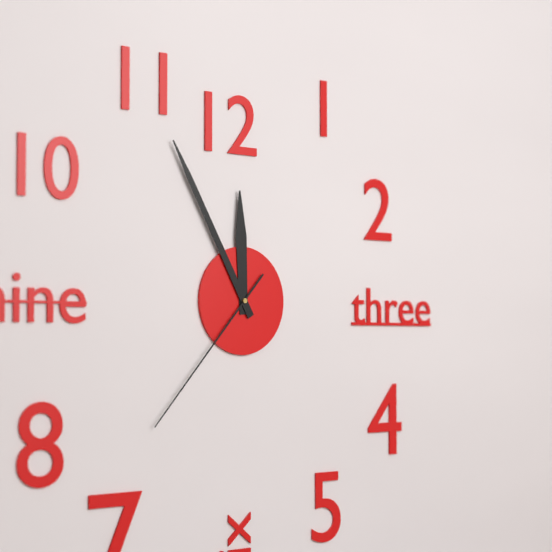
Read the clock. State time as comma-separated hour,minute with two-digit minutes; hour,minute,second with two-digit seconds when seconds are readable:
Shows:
11,55,37
